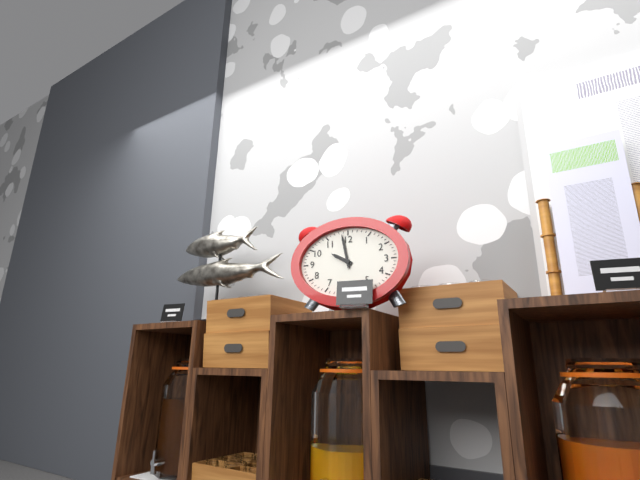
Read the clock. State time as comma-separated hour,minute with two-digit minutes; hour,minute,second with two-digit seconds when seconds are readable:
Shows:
9,58
